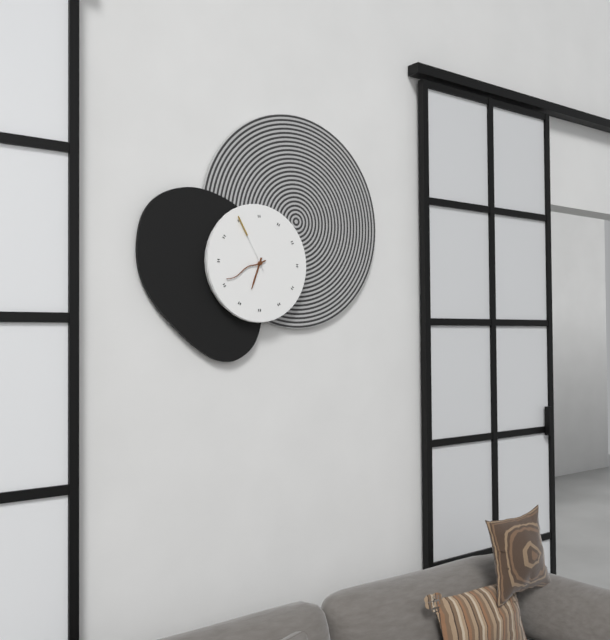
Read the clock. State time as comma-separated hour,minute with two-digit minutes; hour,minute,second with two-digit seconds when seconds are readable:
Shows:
6,41,55
